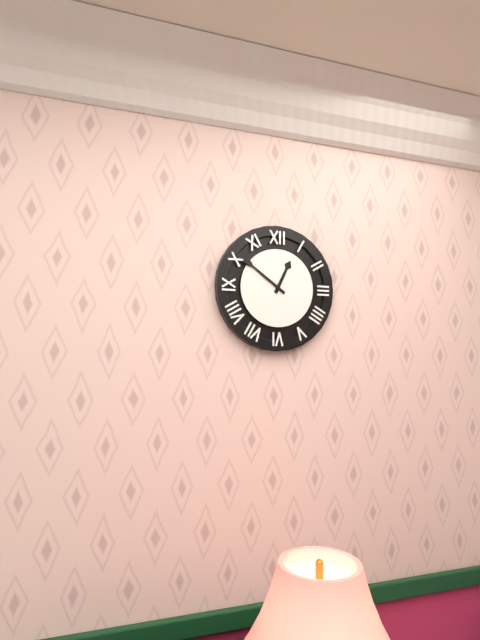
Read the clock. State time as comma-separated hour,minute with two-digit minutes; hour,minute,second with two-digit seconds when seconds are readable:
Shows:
12,51
